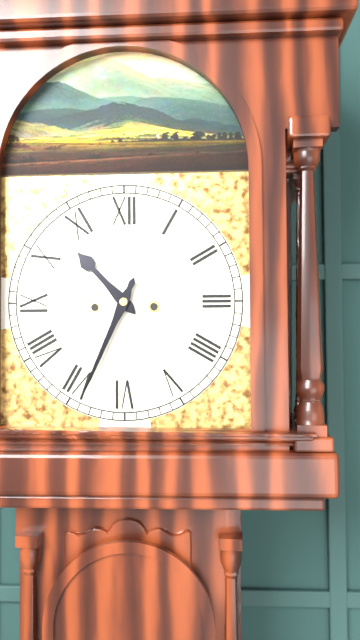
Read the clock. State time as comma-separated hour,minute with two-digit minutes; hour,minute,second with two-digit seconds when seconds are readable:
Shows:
10,34
